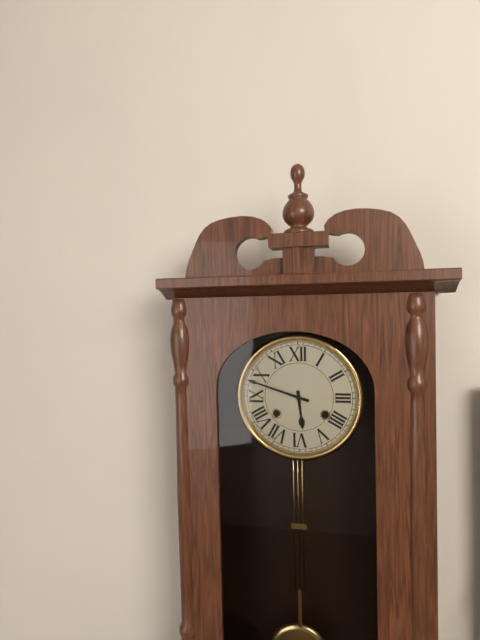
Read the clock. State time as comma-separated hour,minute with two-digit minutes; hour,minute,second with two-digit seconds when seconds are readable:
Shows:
5,48
